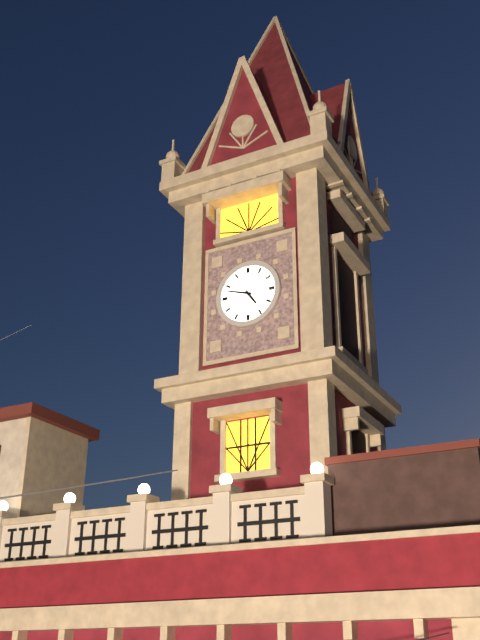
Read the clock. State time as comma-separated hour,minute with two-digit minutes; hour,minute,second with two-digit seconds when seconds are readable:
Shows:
4,48
